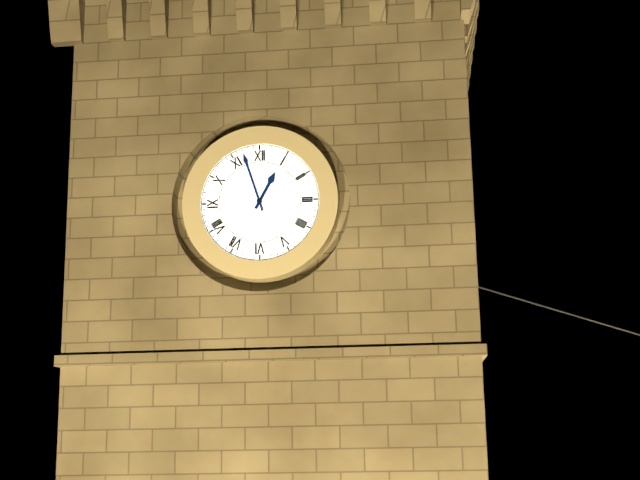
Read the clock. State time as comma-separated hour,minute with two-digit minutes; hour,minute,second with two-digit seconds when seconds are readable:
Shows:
12,57
